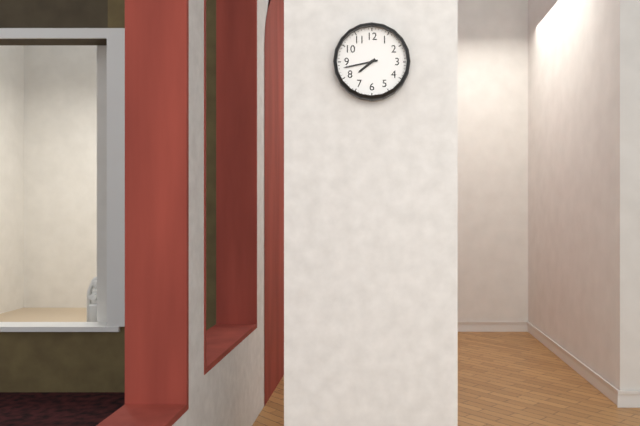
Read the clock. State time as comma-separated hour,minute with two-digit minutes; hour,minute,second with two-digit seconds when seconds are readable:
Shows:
7,43
